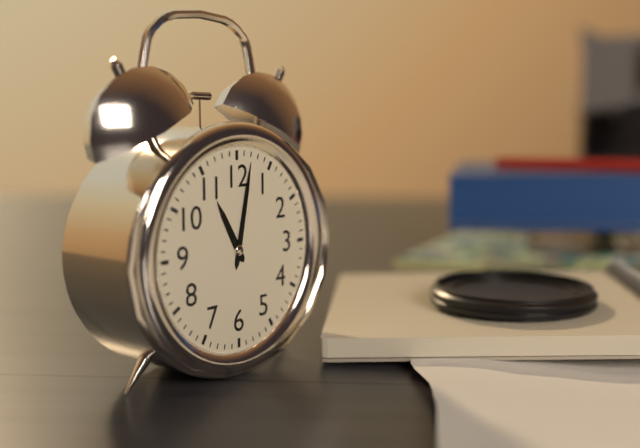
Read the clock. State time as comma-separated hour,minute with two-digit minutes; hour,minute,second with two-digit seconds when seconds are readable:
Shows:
11,02
